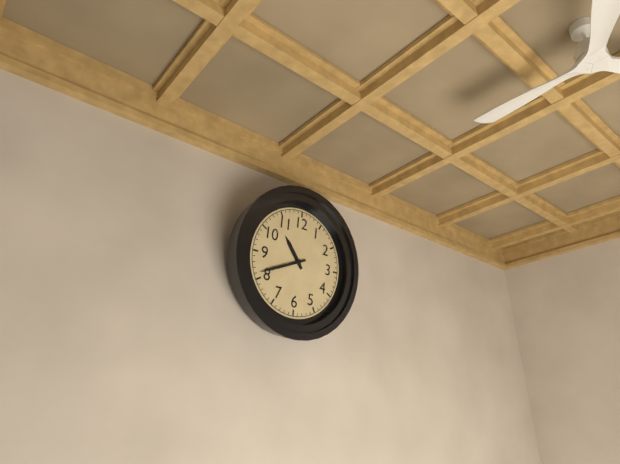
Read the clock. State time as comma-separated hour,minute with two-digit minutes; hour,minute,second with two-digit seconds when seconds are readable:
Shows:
10,41
